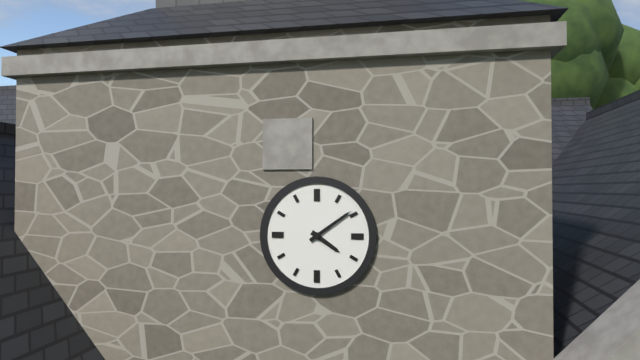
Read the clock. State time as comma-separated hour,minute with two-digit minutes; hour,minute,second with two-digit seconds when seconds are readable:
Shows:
4,09
